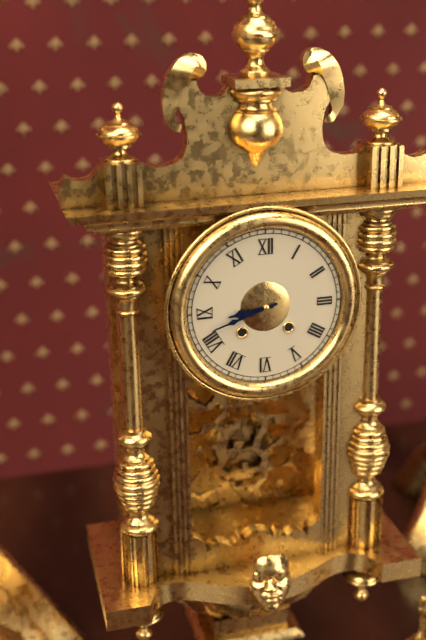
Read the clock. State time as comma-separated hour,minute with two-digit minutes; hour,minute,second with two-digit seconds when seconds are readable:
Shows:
8,42
